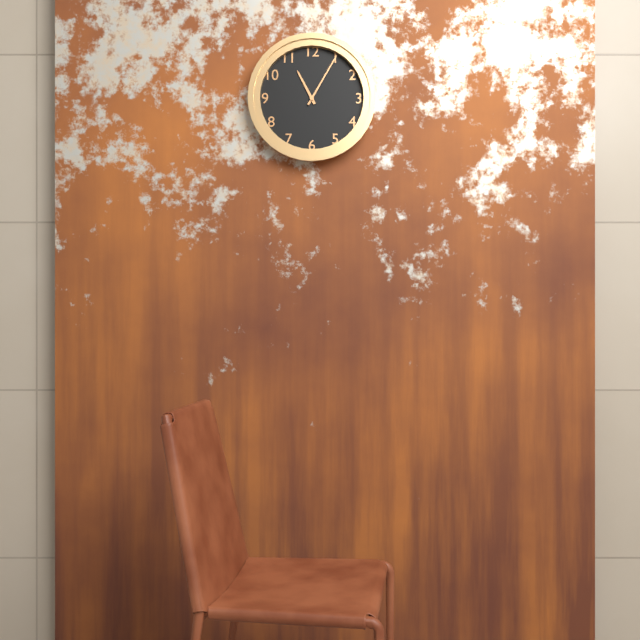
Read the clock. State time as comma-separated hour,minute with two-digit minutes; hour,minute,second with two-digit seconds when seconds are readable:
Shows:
11,05
